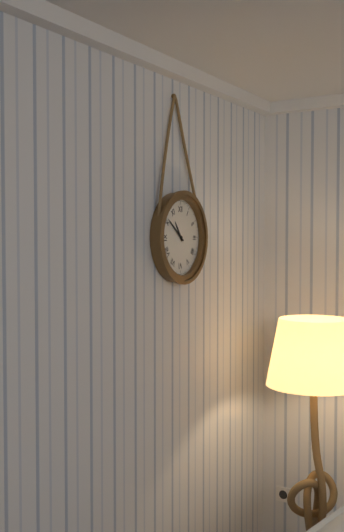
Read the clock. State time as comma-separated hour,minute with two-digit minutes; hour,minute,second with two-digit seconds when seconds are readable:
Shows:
10,51
